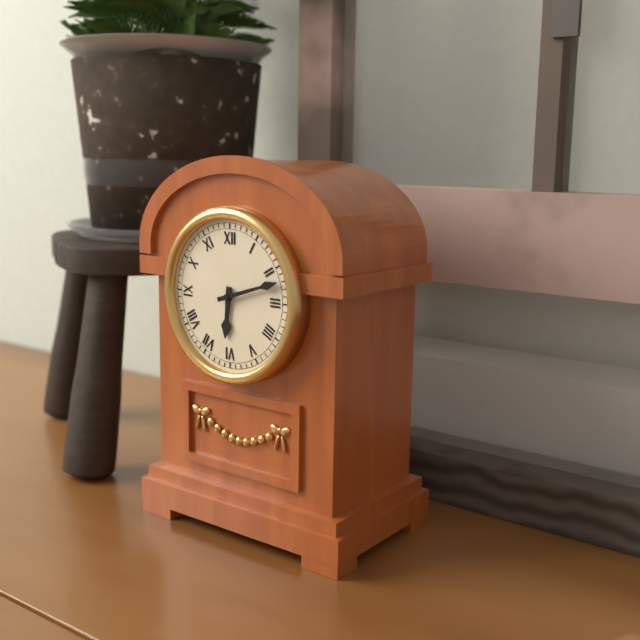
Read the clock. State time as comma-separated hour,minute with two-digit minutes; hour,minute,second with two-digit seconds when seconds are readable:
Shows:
6,12
